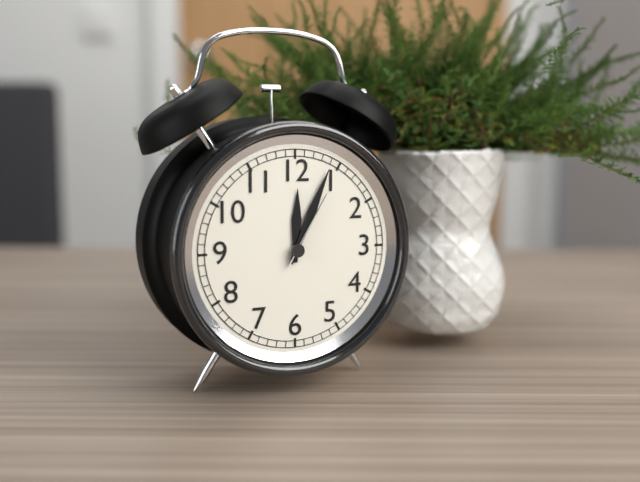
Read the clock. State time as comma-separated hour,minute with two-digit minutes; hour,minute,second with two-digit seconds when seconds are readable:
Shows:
12,04,05
